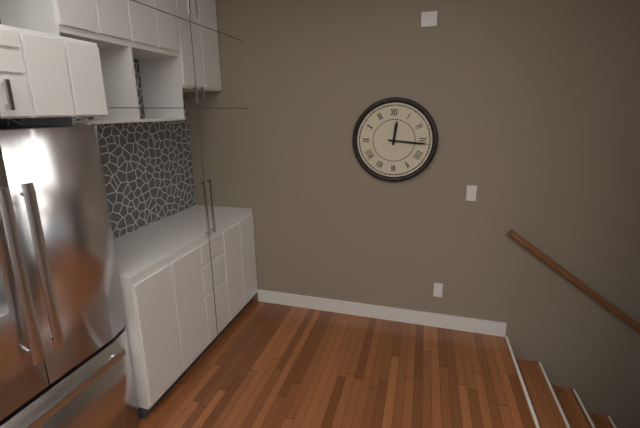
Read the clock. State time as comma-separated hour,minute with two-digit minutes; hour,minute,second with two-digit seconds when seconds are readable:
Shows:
12,16
